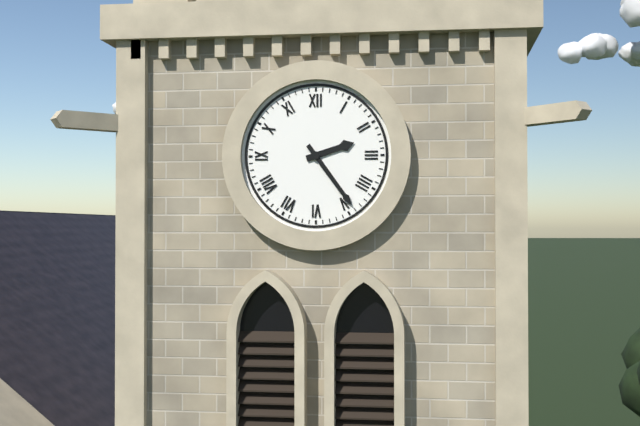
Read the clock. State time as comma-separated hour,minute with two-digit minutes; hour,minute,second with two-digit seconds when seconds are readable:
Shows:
2,24
